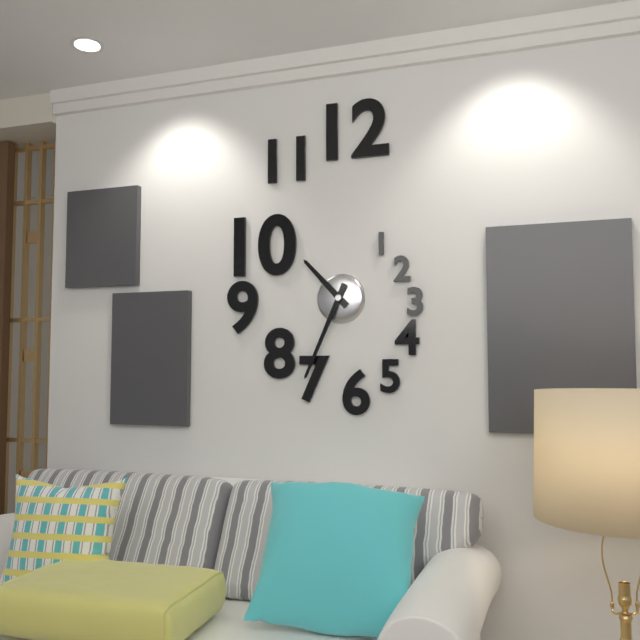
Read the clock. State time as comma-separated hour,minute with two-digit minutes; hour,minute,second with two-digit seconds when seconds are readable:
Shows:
10,34
